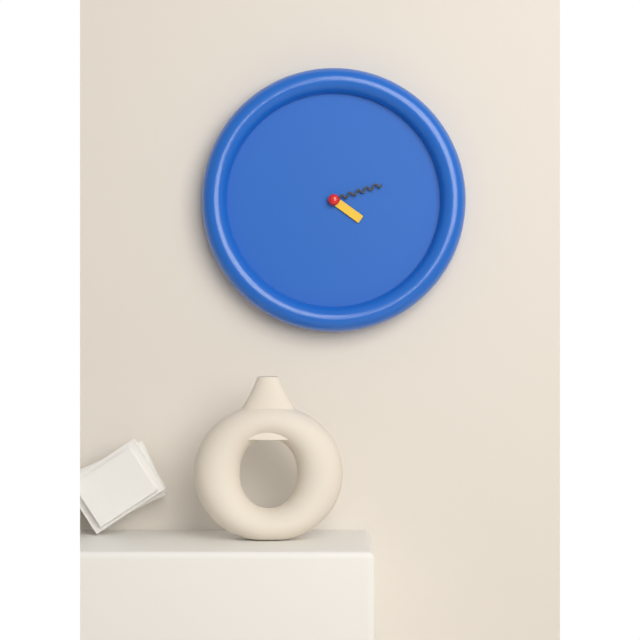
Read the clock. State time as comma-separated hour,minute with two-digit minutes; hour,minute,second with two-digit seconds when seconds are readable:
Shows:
4,12
